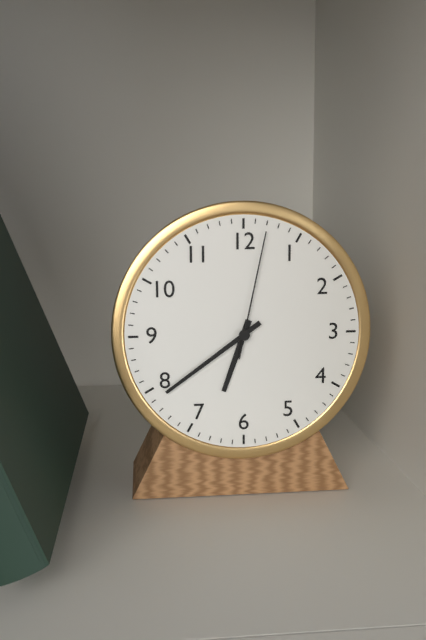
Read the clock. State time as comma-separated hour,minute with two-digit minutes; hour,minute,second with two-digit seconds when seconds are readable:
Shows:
6,39,02
